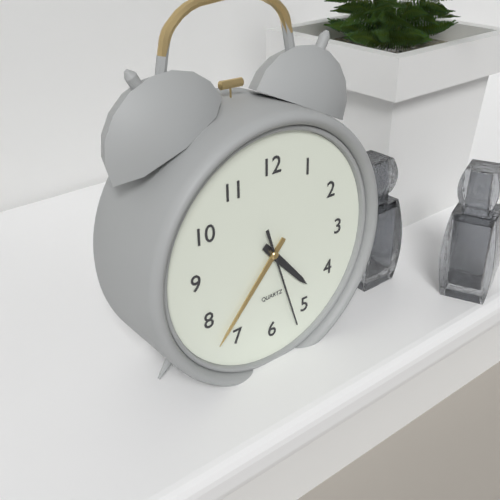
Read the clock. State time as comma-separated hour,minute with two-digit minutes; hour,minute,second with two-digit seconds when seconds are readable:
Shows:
4,37,27
